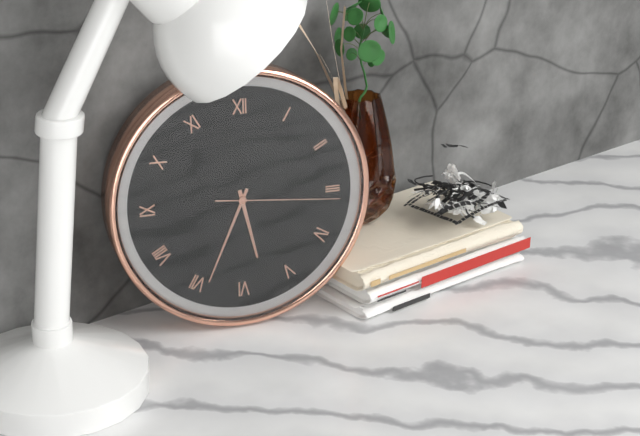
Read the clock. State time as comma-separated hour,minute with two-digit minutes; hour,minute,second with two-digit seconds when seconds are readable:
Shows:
5,34,16
